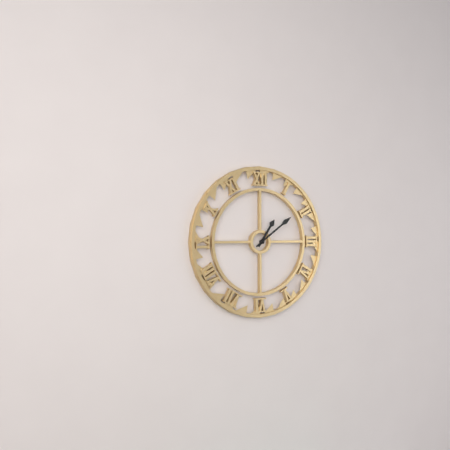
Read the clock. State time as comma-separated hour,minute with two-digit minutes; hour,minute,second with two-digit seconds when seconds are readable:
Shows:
1,09
